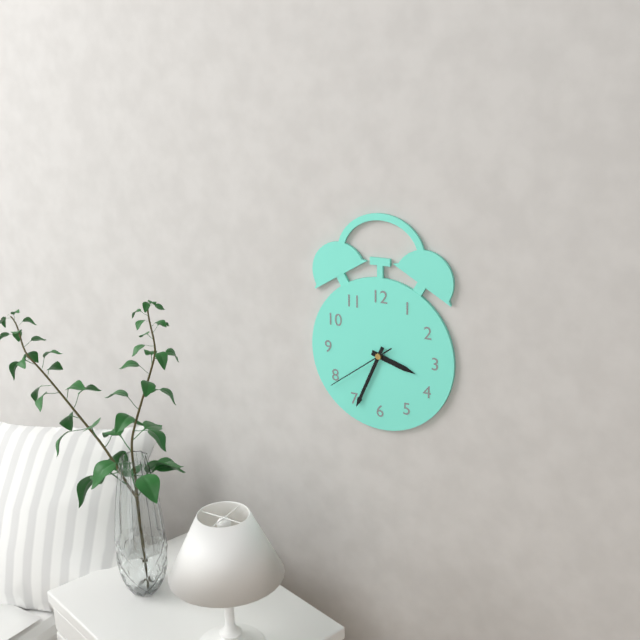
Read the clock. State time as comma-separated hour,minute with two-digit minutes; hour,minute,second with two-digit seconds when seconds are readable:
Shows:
3,34,39
